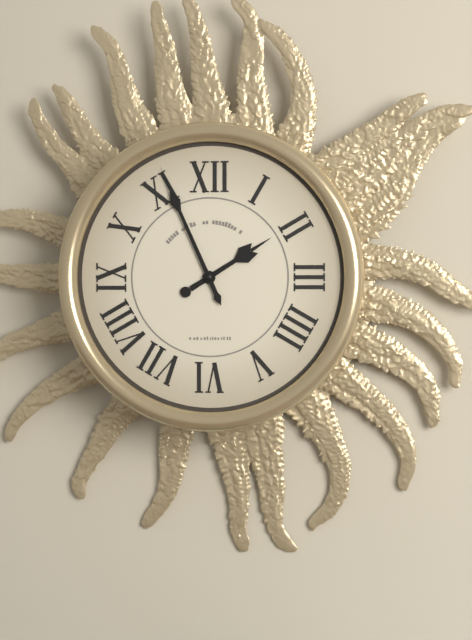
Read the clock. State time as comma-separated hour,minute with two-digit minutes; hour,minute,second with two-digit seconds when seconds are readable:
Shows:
1,56
